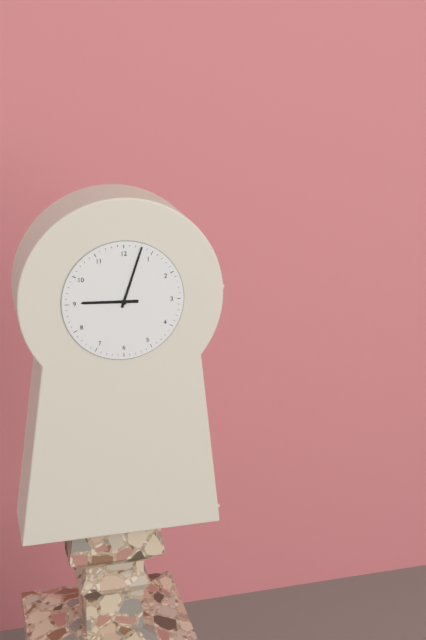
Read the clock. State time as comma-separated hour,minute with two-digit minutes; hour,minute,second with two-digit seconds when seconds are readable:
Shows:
9,03
